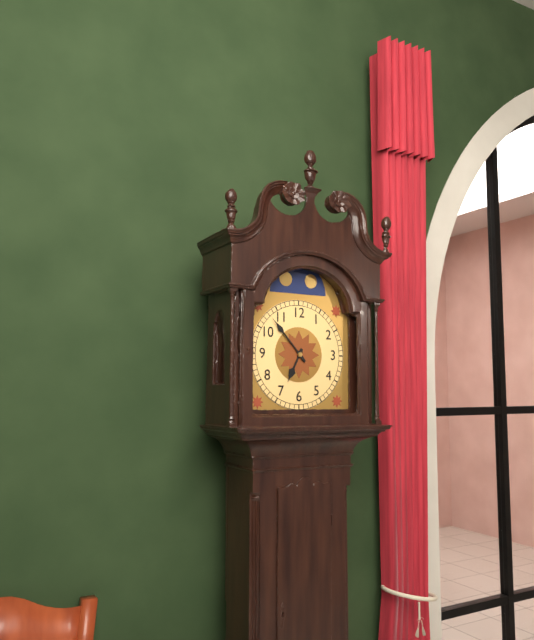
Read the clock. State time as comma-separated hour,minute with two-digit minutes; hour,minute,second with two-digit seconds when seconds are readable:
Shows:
6,53
